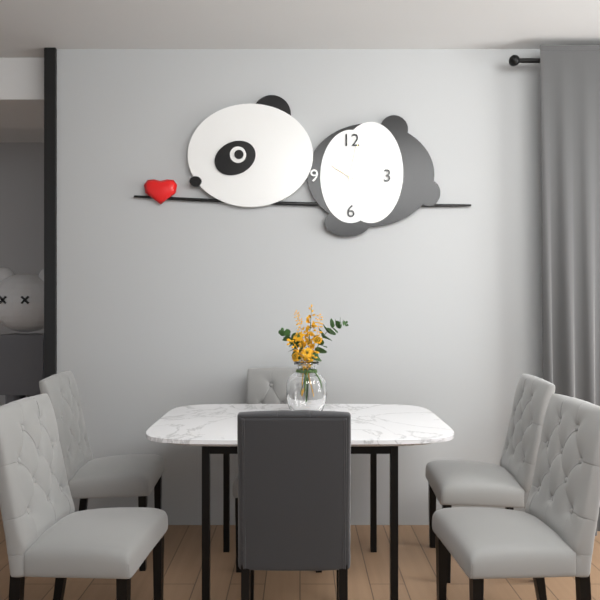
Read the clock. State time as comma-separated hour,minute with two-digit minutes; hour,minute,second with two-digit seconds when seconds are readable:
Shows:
10,02
